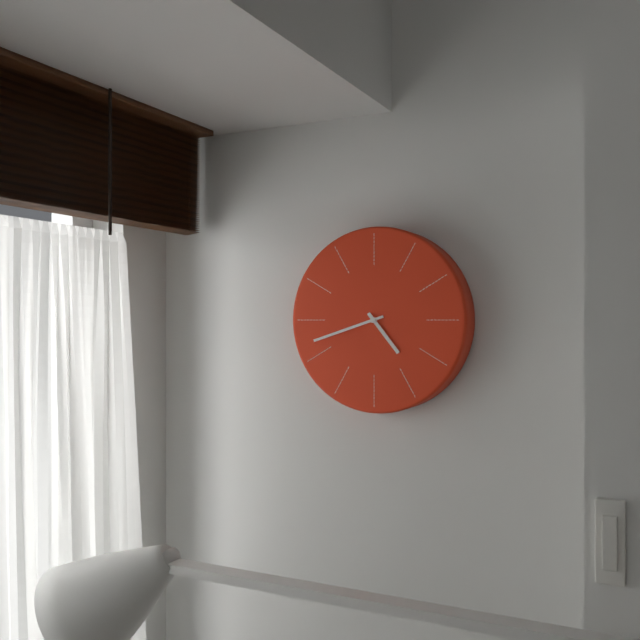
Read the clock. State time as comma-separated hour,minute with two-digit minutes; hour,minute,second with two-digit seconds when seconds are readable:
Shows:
4,42
